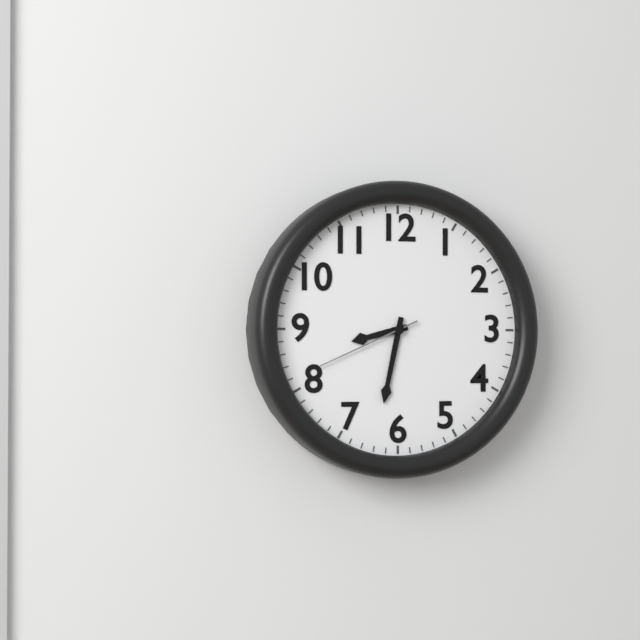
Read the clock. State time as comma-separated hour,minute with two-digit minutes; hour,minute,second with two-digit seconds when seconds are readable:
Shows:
8,32,41
